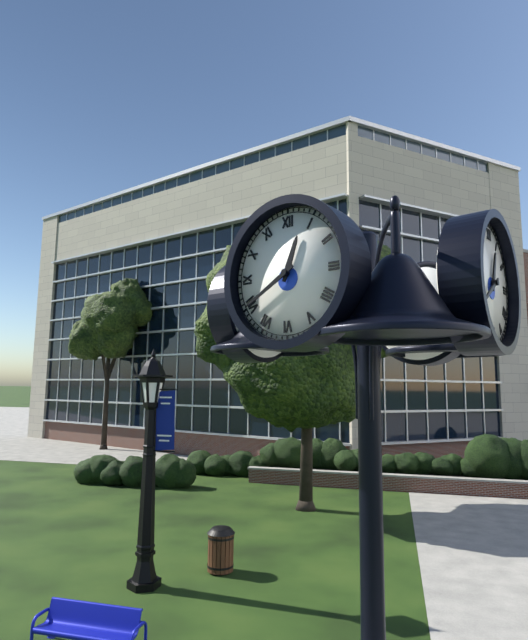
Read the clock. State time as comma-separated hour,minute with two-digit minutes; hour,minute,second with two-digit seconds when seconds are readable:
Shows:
12,40
